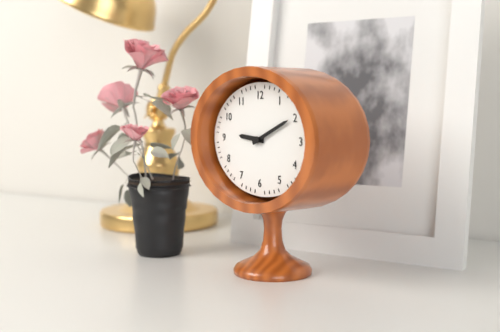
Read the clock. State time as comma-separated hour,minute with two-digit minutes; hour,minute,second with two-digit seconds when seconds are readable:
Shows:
9,11
